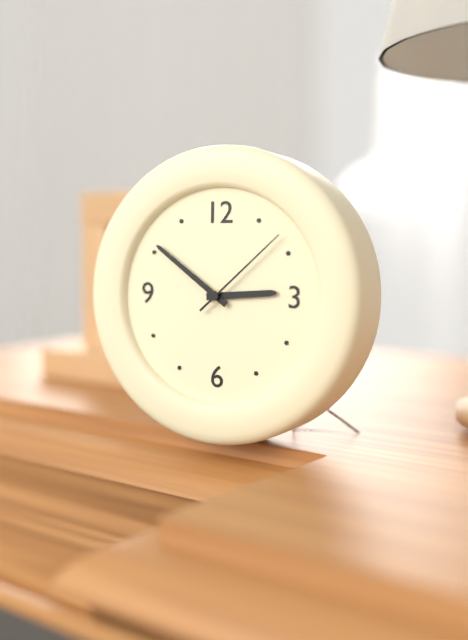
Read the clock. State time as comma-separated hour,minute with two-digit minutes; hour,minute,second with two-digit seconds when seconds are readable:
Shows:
2,51,08
